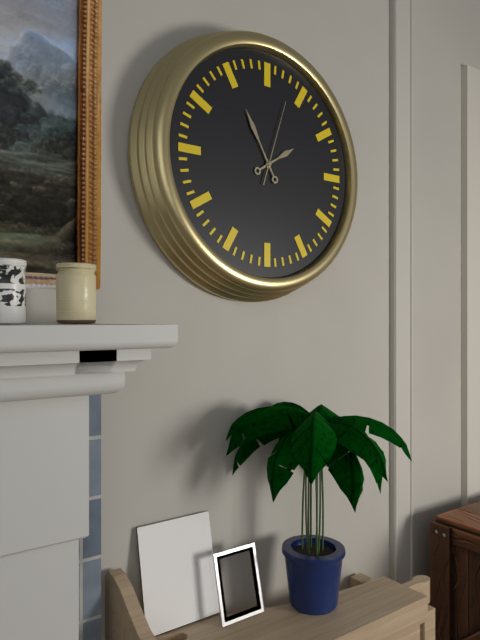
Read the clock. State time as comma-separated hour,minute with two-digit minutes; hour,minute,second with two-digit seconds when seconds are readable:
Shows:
1,55,03
